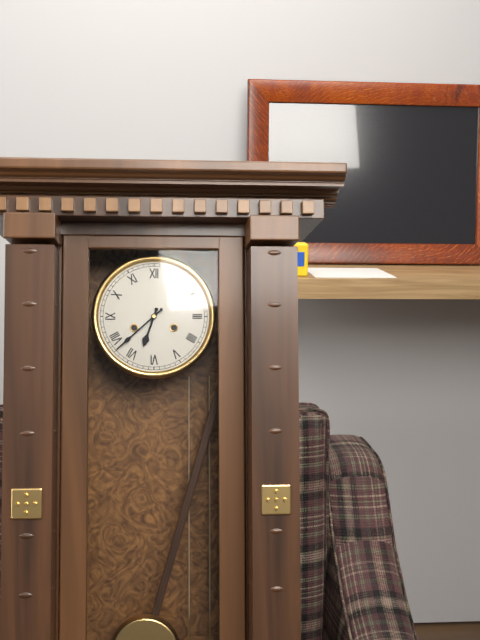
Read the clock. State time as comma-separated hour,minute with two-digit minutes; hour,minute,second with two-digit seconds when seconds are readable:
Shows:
6,38
